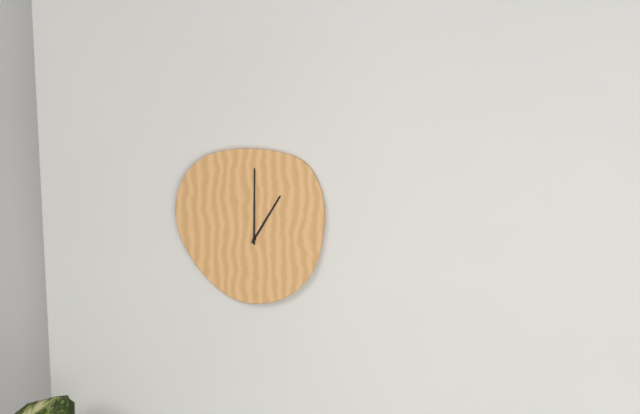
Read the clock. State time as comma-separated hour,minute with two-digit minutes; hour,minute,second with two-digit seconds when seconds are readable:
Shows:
1,00
